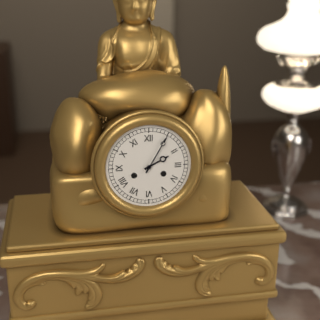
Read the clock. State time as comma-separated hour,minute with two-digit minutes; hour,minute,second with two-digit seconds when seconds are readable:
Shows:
2,05
